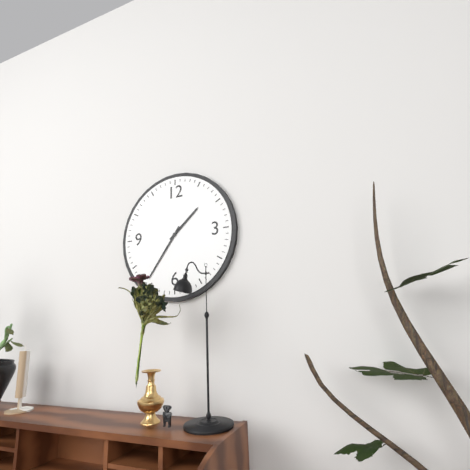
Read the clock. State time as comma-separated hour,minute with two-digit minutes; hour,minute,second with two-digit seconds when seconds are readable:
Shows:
1,36
